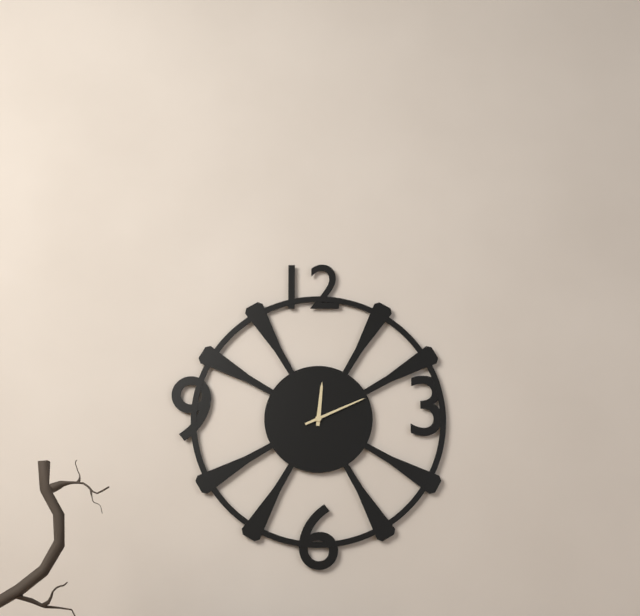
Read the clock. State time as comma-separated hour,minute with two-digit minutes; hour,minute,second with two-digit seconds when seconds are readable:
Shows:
12,11
